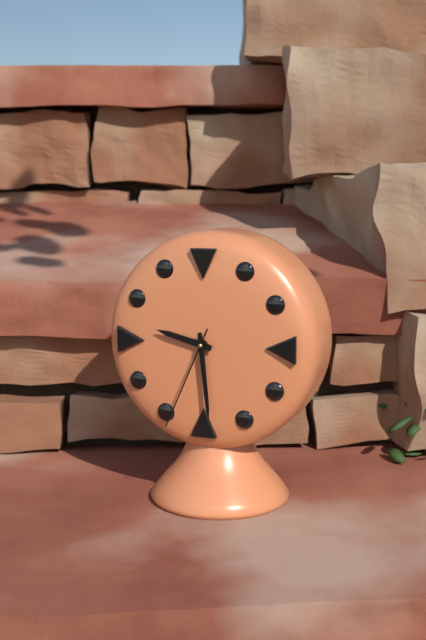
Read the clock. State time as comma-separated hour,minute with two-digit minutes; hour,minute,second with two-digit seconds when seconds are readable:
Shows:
9,29,34
